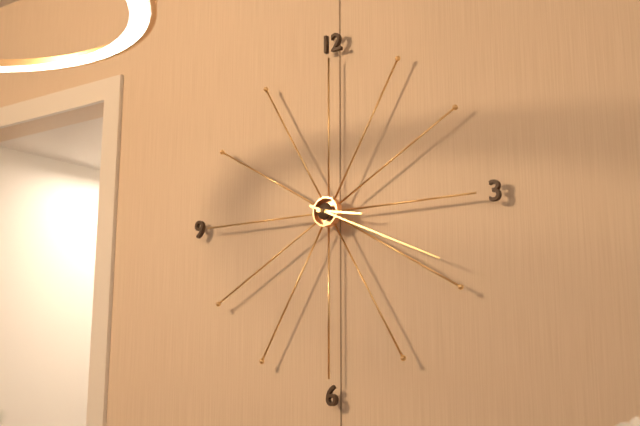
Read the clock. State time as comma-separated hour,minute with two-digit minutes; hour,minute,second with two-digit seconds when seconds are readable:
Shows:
3,19
